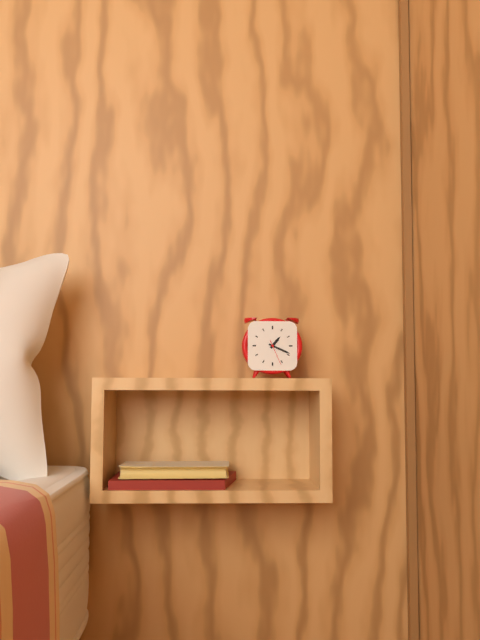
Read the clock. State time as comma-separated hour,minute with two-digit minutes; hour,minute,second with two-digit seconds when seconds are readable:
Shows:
1,19
